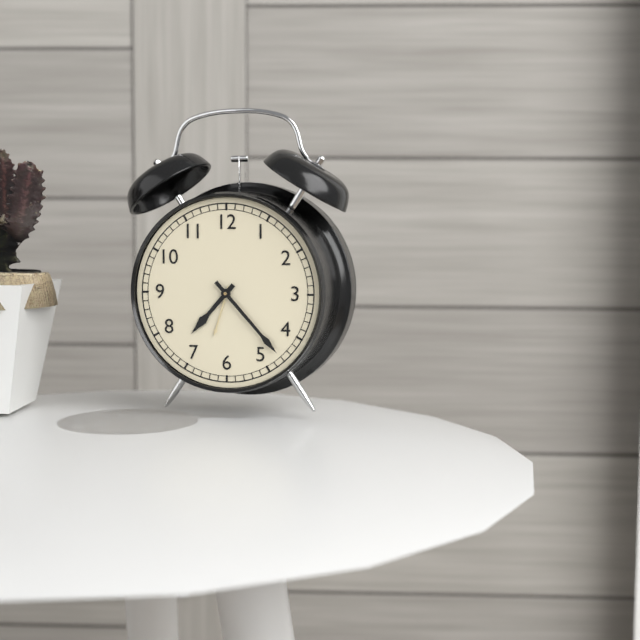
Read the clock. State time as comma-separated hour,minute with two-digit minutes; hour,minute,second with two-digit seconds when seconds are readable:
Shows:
7,23
